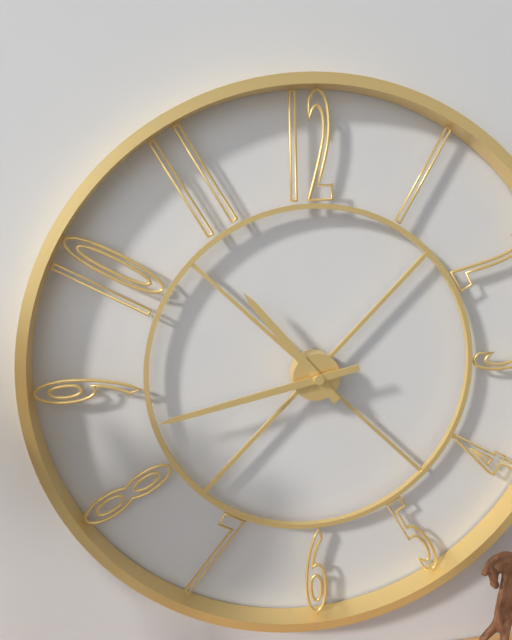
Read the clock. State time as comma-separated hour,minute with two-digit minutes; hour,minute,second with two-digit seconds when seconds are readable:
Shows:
10,43
